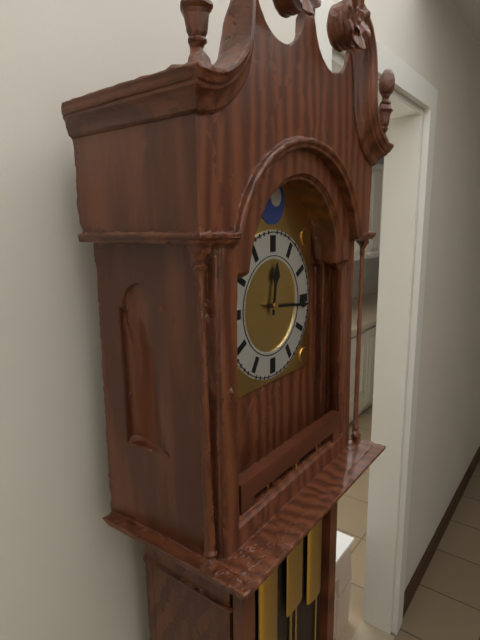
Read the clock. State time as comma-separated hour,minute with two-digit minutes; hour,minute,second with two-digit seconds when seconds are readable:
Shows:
12,16
